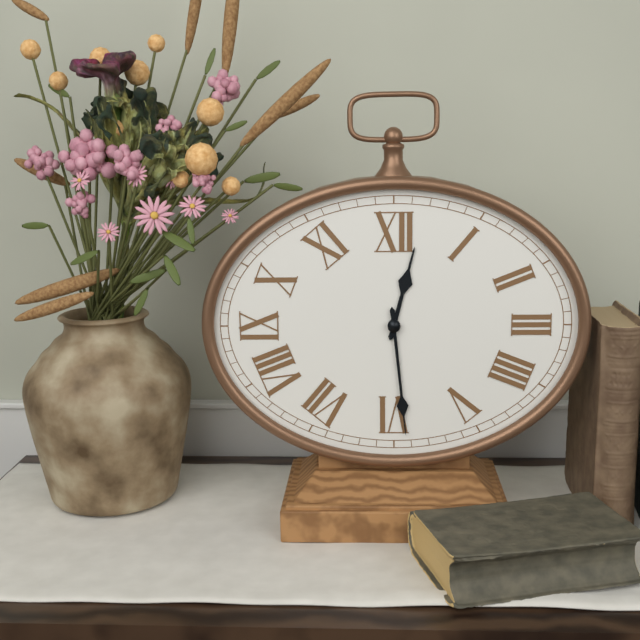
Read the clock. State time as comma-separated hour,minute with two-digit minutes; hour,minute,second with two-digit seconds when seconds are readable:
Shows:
12,29
